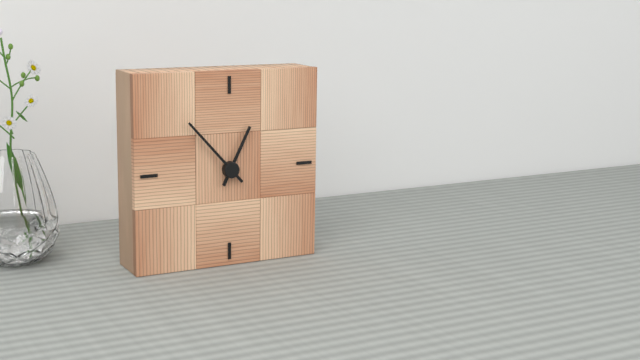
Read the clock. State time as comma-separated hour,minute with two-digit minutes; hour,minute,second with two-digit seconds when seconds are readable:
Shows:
12,53
